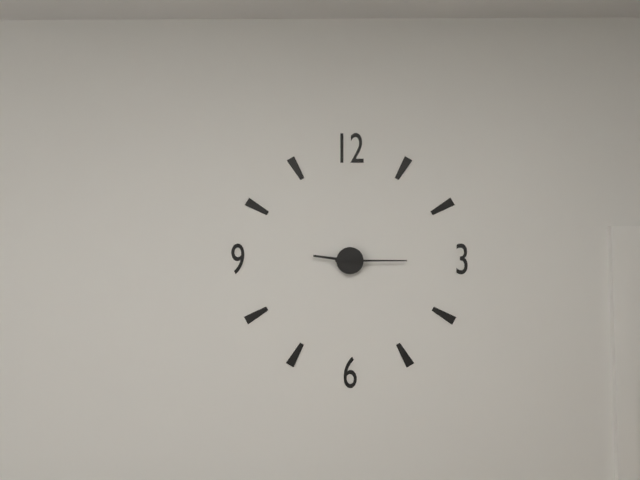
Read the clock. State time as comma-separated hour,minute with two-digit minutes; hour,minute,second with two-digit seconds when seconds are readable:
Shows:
9,15
